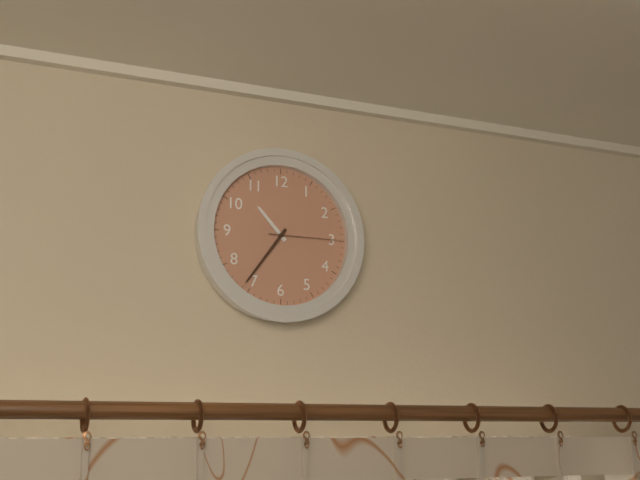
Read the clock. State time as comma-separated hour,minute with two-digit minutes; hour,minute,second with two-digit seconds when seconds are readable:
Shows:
10,36,15
